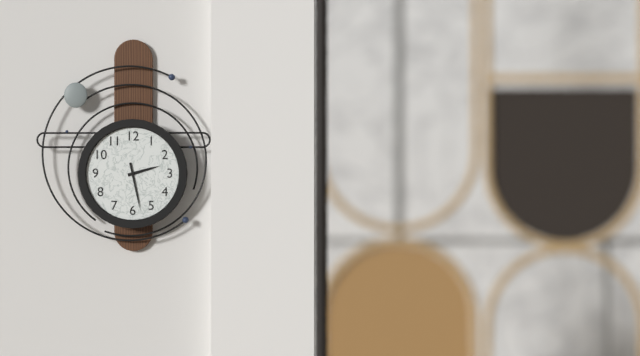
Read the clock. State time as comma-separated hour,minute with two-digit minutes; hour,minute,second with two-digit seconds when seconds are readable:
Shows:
2,28
